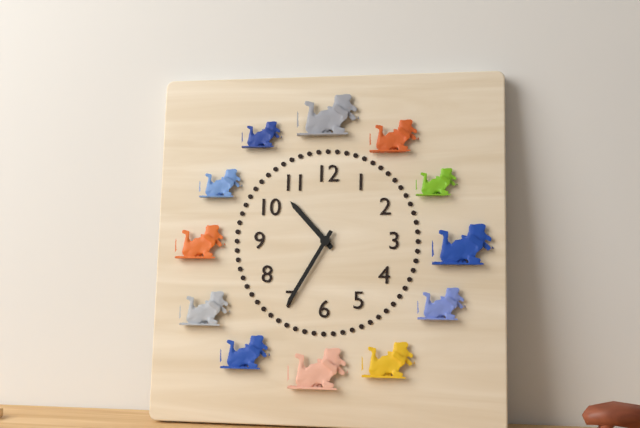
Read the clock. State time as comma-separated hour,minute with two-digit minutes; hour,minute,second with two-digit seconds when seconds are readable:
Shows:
10,35
